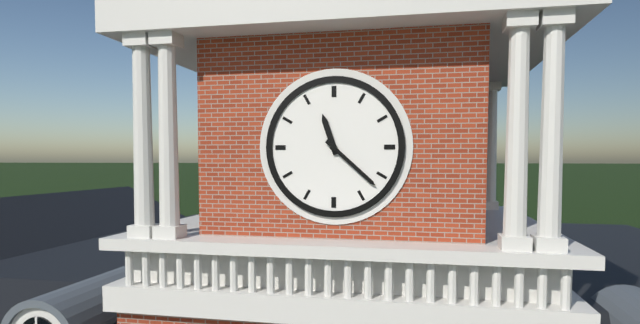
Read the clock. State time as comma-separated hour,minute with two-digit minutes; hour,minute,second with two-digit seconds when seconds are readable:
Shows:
11,22
